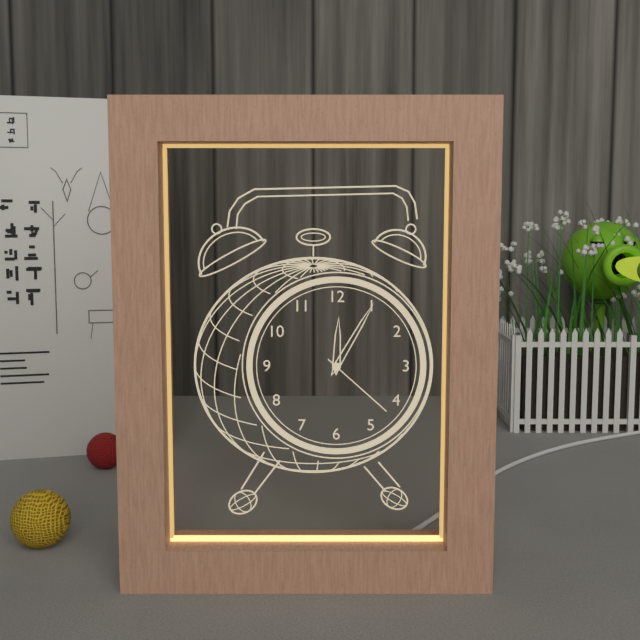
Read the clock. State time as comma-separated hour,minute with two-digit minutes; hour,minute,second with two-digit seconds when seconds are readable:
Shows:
12,05,22
